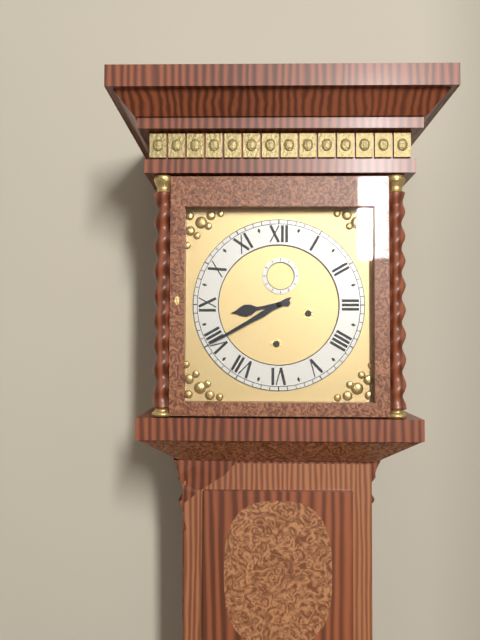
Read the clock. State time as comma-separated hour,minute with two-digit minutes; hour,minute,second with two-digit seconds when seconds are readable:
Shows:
8,40
